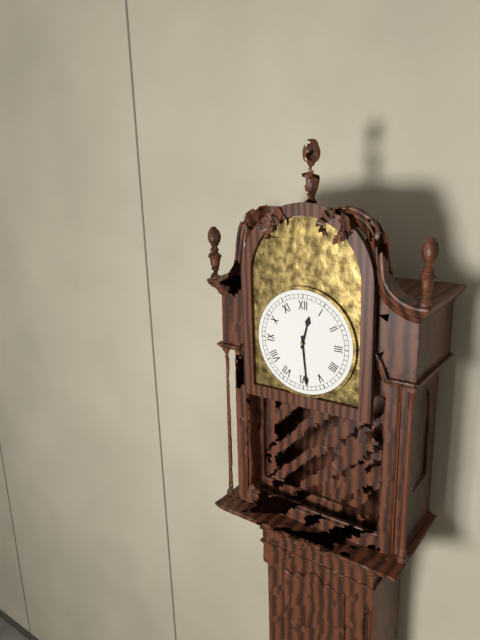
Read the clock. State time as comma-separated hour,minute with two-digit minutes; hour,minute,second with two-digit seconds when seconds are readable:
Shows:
12,29
